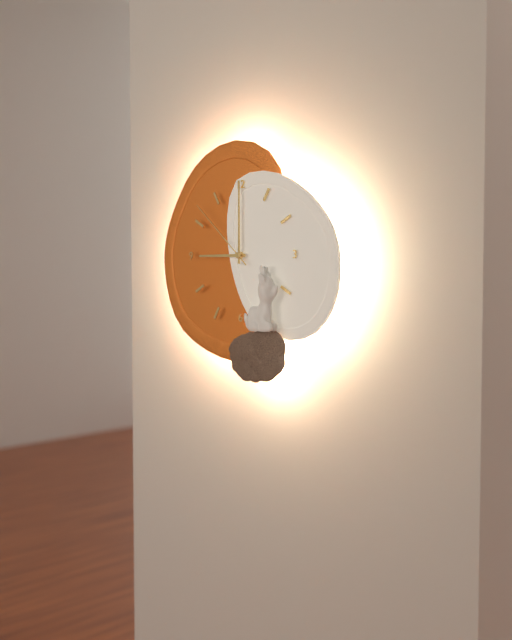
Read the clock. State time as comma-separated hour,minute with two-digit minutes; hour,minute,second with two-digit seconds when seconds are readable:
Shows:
9,00,52
